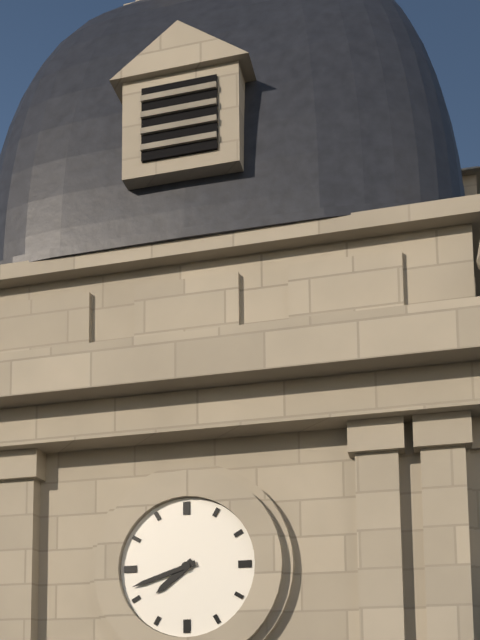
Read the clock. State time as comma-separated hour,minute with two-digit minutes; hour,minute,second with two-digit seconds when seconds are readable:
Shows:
7,42
